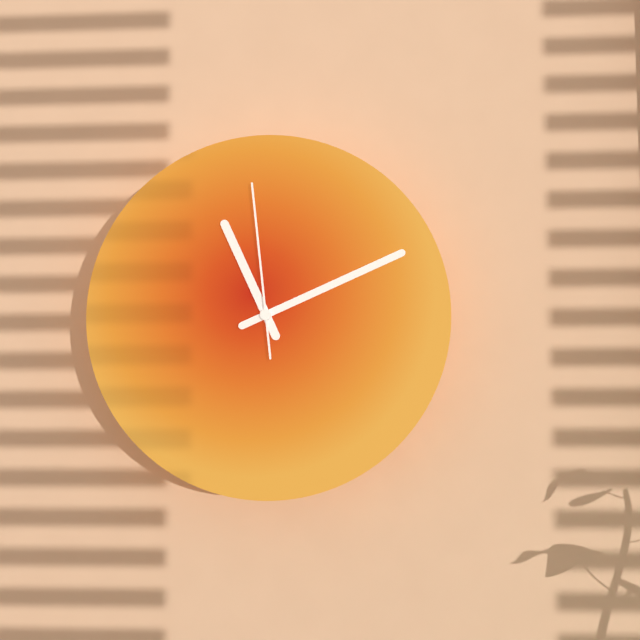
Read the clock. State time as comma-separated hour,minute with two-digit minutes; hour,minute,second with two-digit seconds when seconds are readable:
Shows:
11,11,59
